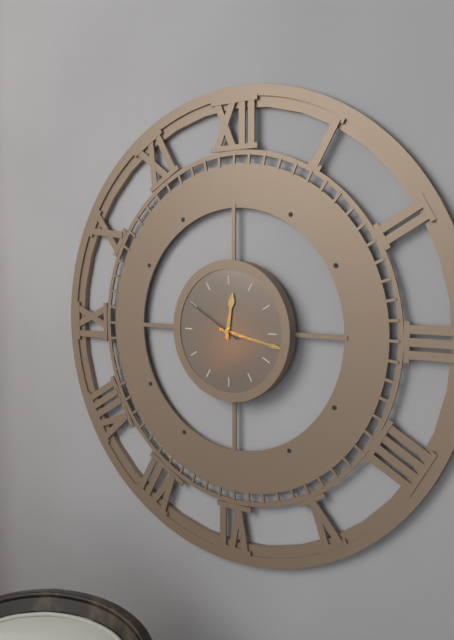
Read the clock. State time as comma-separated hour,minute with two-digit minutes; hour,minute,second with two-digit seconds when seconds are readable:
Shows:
12,17,50
